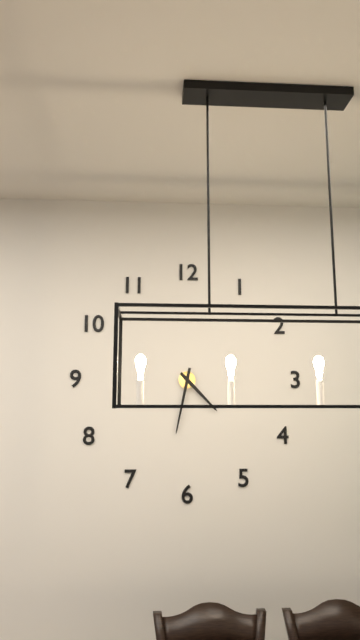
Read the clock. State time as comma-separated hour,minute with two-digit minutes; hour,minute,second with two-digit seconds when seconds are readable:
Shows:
4,32
